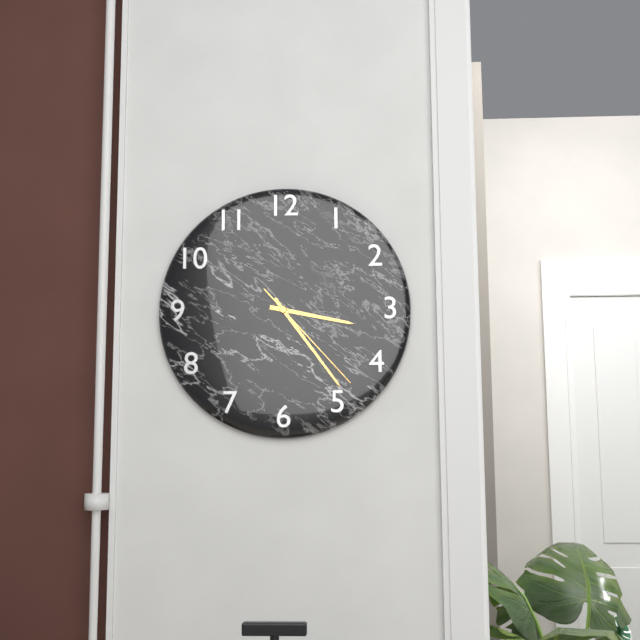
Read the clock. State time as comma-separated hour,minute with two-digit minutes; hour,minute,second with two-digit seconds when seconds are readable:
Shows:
3,24,23
